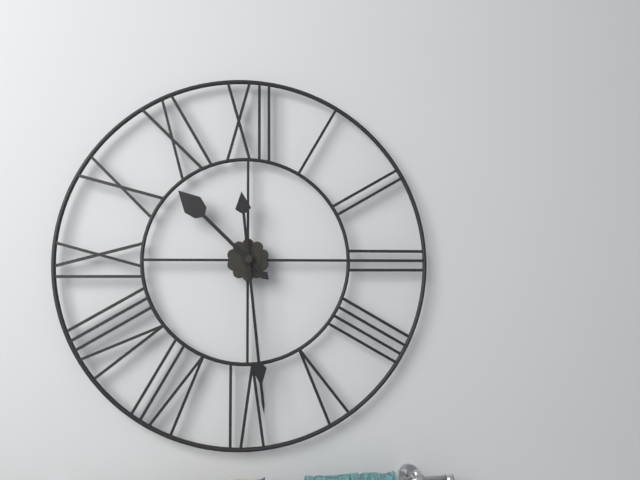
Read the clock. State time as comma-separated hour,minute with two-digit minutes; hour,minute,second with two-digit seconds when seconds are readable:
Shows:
10,29
